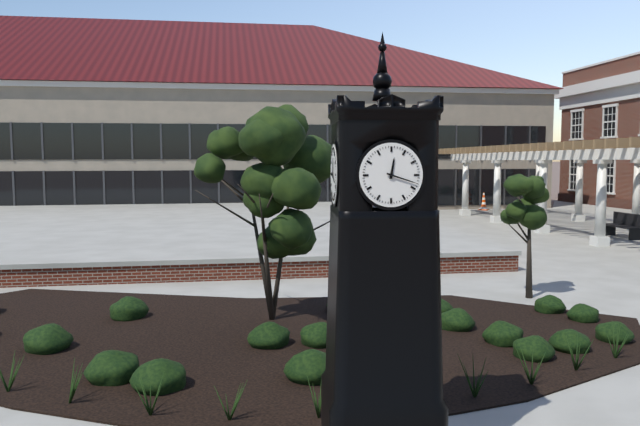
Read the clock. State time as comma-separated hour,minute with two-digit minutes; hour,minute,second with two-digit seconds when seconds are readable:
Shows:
12,18
